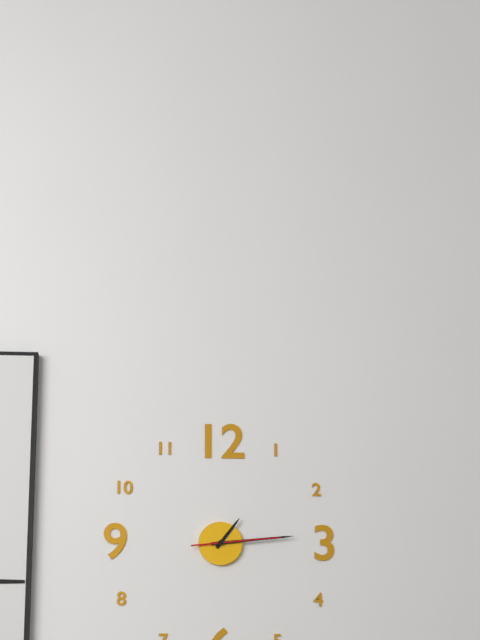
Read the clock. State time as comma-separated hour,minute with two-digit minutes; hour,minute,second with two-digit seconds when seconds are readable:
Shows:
1,14,14
